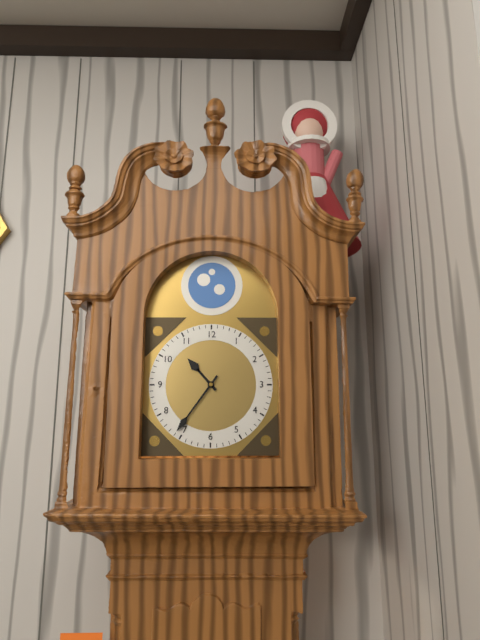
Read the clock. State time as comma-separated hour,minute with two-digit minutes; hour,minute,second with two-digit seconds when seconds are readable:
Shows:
10,36
